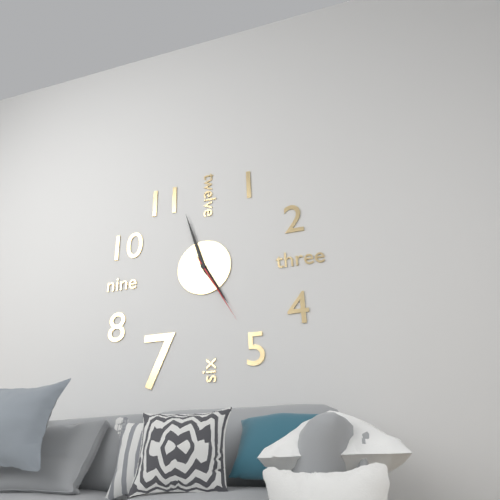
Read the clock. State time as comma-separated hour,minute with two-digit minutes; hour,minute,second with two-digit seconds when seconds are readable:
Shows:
4,57,25
